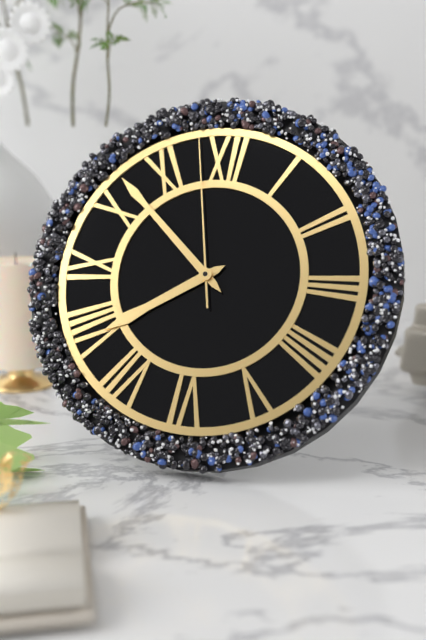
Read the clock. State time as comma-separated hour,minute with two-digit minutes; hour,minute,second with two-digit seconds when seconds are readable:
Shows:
7,52,58
